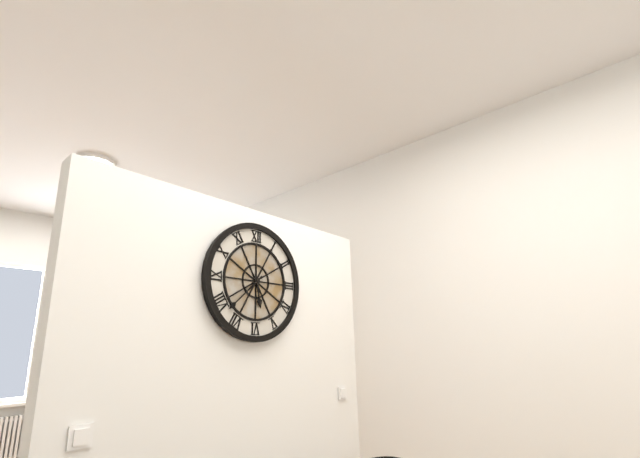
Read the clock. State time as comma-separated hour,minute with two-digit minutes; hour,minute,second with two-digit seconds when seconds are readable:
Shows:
5,38
